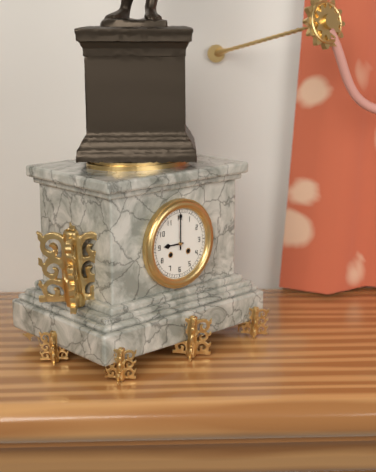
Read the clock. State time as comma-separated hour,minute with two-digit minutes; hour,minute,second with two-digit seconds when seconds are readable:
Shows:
9,00
